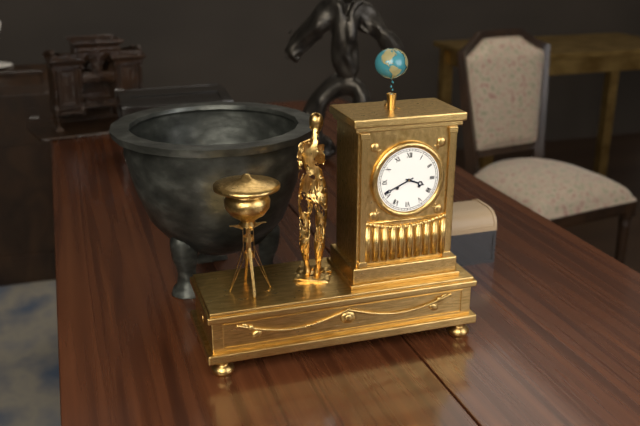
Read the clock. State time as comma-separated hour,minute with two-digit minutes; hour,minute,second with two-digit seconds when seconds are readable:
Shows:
3,41
